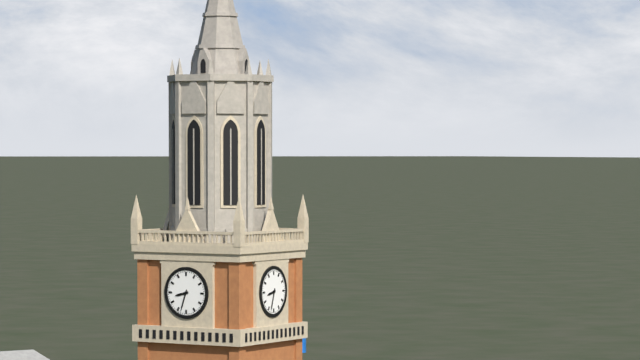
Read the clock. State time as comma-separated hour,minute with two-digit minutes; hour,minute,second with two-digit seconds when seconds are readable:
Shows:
8,33
